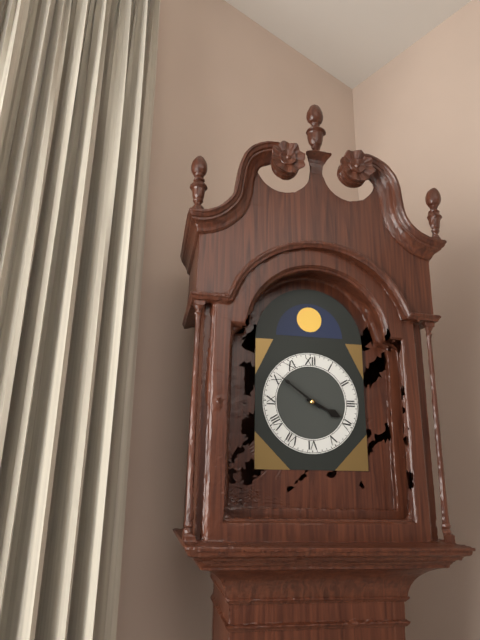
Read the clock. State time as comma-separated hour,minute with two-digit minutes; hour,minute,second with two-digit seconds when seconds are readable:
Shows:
3,51
